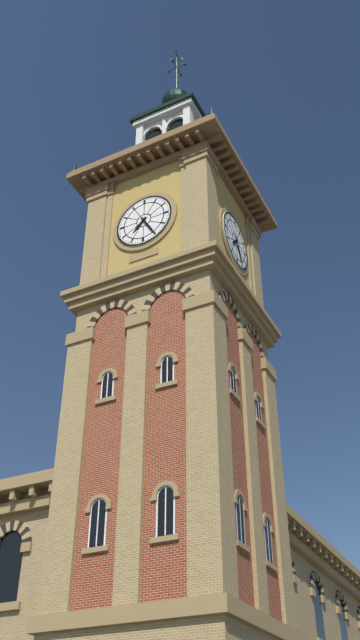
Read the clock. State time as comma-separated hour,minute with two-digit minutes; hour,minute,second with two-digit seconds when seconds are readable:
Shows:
7,25
